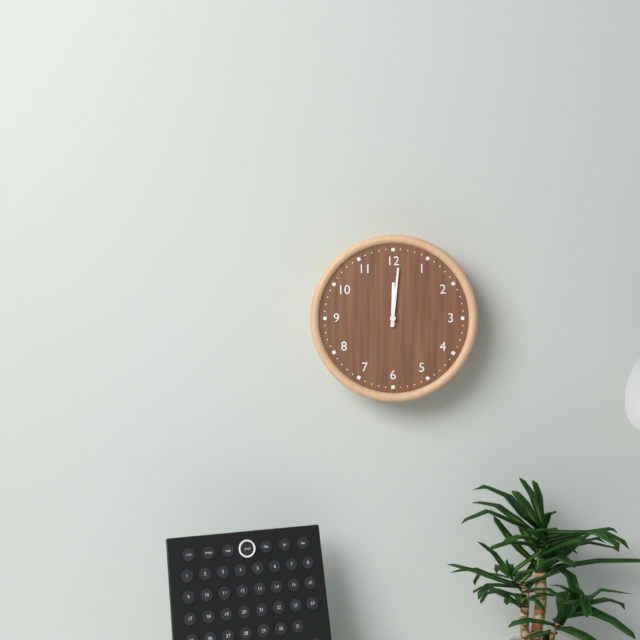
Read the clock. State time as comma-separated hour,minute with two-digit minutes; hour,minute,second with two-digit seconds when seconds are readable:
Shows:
12,01
